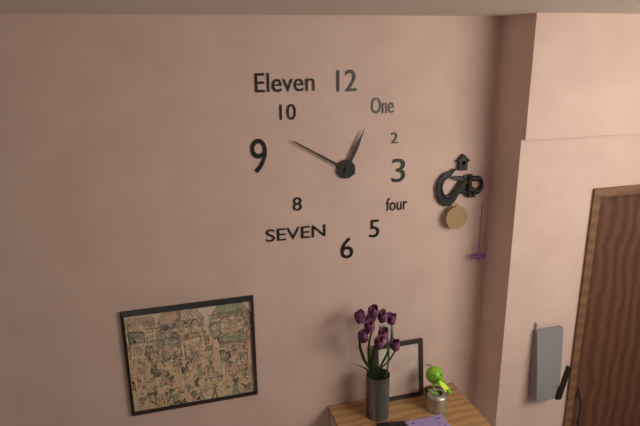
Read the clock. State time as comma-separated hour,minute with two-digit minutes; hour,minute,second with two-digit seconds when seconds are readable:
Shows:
12,50
